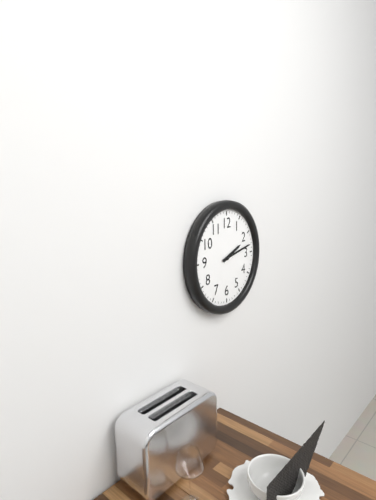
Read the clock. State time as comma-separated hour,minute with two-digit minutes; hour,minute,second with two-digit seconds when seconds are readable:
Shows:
2,13
